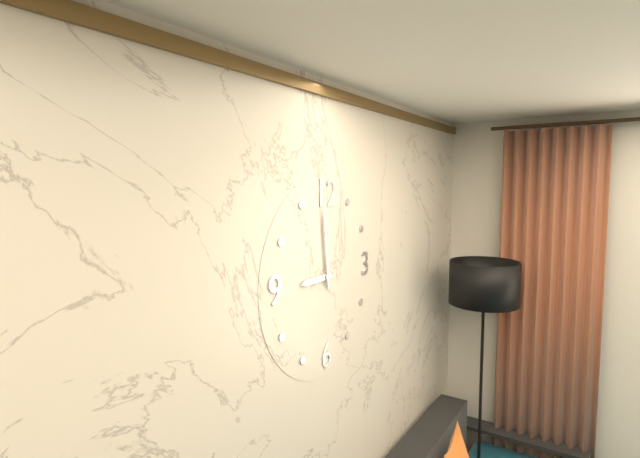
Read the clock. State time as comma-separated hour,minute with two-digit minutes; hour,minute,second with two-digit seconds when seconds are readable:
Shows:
8,59
